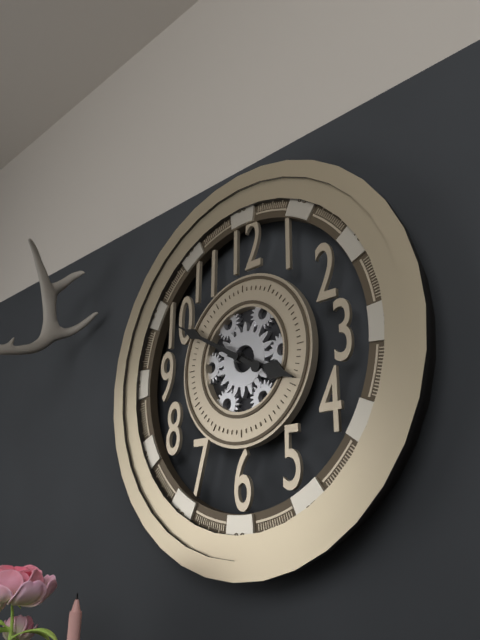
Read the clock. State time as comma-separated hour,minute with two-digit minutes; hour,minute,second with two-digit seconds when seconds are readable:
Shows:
3,50
